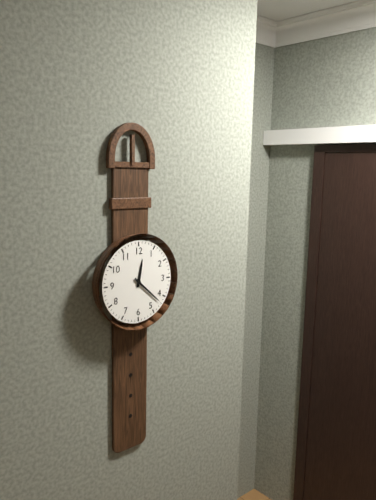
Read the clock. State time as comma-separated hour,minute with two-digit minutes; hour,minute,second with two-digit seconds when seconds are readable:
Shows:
12,22
